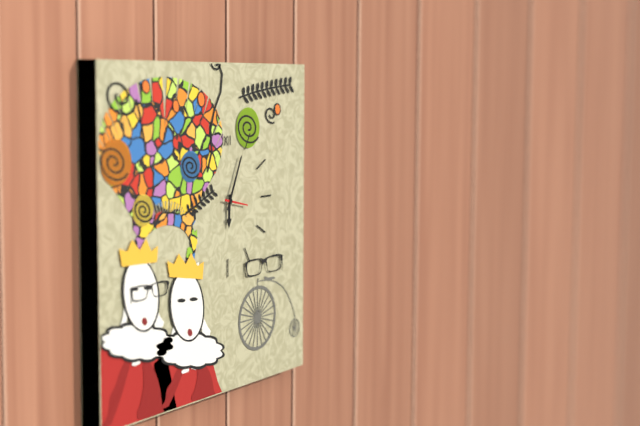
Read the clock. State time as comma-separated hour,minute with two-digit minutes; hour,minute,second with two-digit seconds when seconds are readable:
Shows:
6,04
